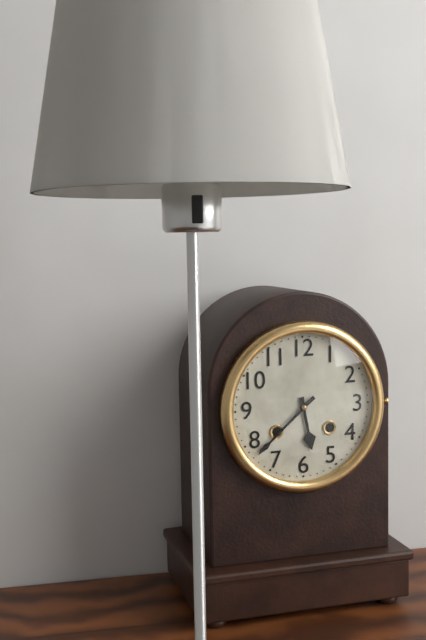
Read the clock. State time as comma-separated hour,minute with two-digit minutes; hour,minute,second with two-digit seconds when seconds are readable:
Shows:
5,38
